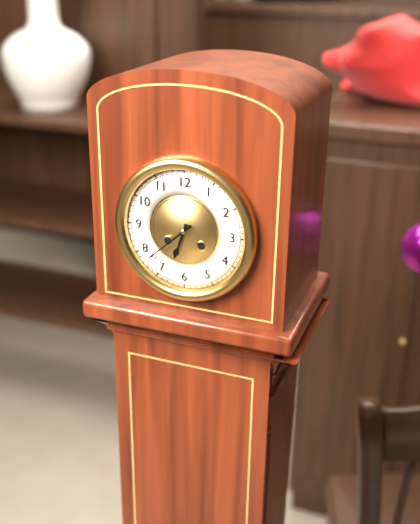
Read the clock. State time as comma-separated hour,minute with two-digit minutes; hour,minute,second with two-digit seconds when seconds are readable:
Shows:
6,38
